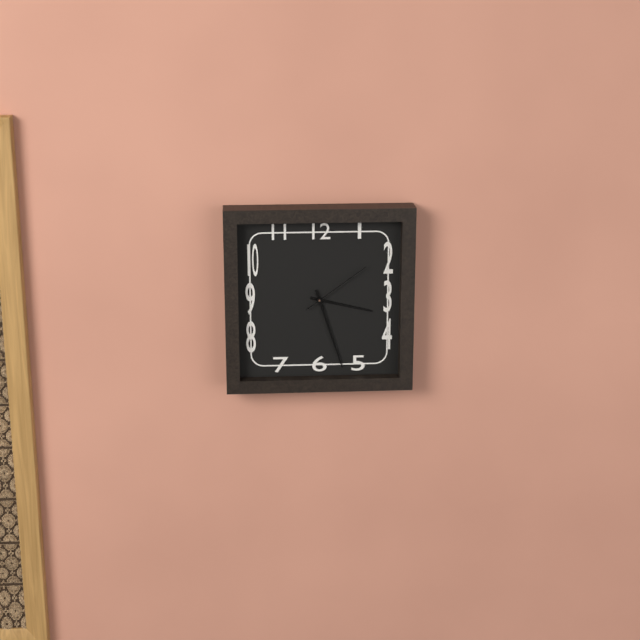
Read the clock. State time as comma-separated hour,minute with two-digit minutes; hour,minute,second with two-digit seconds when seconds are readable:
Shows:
3,27,09
